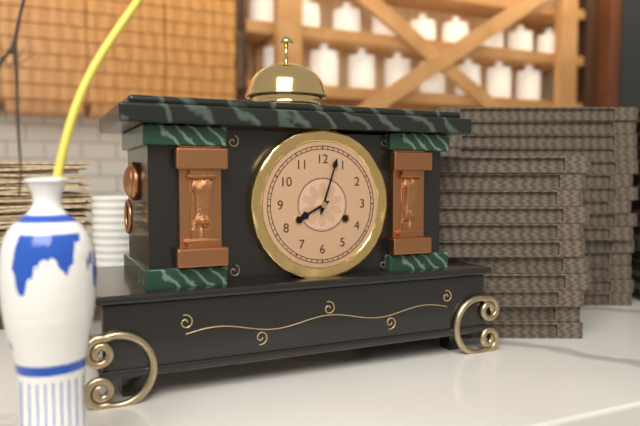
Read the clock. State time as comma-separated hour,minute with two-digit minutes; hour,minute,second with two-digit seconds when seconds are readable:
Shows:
8,03
